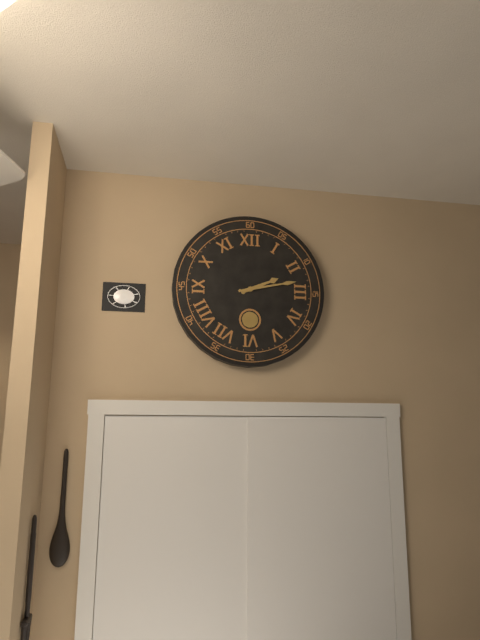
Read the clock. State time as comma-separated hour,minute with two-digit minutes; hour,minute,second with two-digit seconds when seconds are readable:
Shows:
2,13
